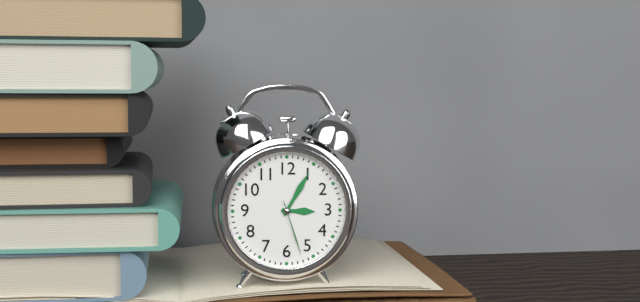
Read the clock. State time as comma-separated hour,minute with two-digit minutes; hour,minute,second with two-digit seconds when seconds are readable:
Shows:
3,05,27
